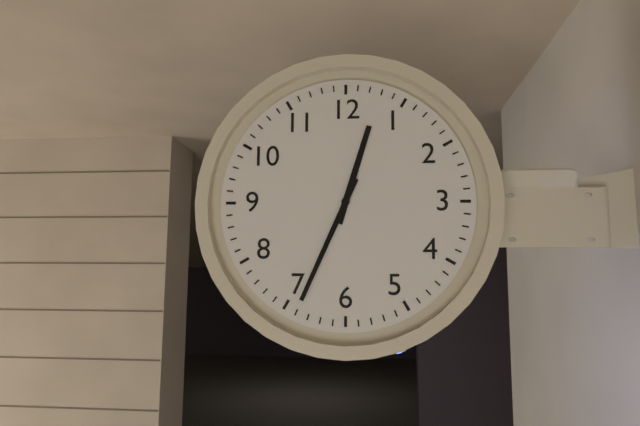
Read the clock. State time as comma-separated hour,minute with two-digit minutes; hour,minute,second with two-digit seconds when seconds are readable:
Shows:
12,34
